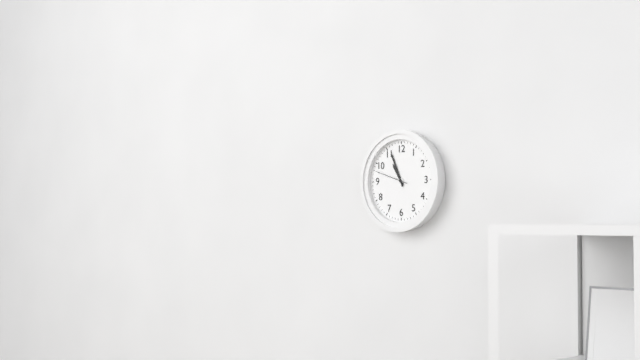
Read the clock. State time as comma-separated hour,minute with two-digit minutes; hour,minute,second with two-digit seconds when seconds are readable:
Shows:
10,56
